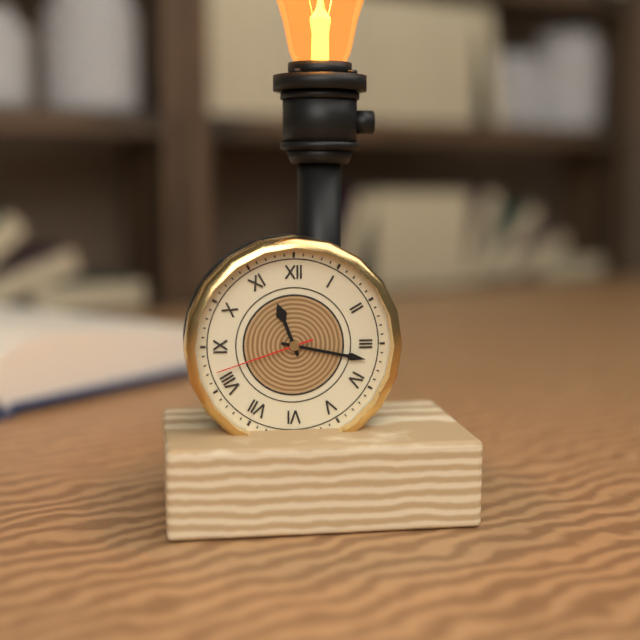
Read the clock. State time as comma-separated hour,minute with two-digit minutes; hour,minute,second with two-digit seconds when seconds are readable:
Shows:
11,17,42
